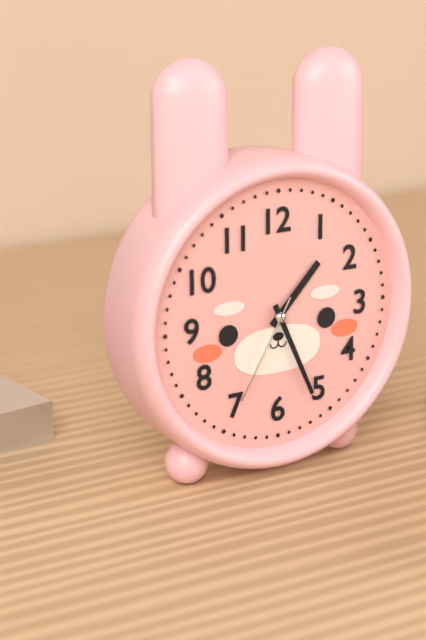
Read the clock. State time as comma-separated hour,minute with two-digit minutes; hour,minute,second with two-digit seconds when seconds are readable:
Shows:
1,26,35
